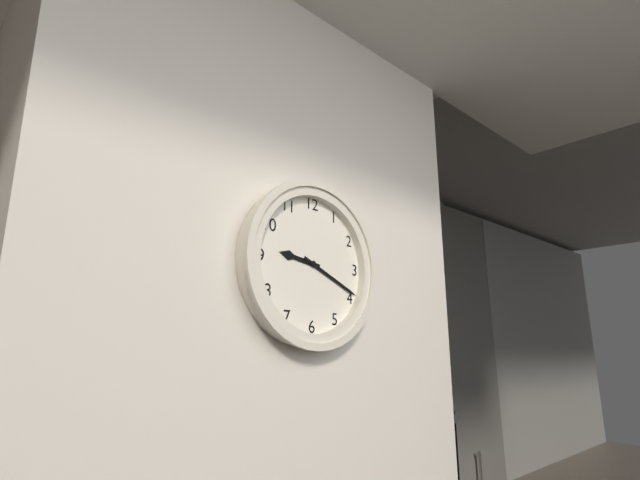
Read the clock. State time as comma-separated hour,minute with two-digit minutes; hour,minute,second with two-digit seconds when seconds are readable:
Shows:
9,19
